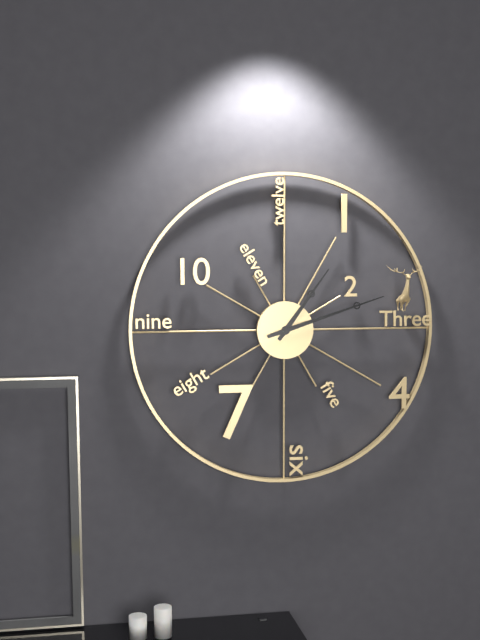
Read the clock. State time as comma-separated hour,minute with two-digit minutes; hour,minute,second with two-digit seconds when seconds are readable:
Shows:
1,12
